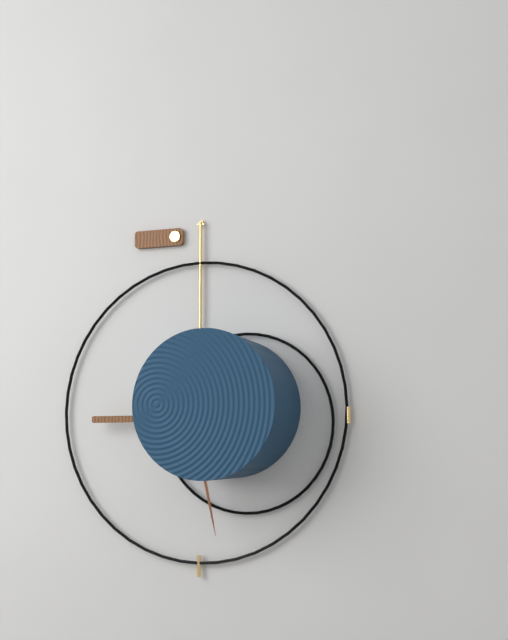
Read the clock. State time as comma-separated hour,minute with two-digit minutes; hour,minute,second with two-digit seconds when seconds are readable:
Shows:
4,28
